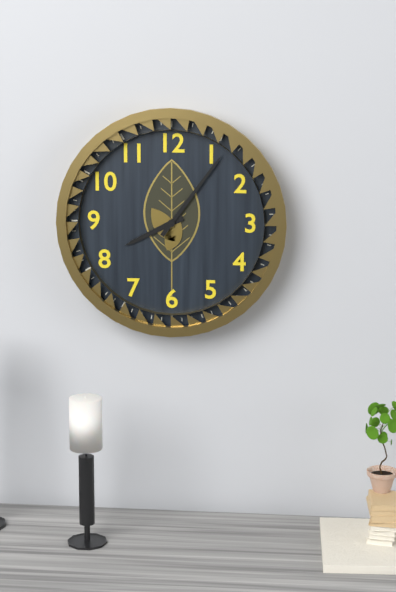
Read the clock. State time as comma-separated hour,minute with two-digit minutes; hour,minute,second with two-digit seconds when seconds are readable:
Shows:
8,06
